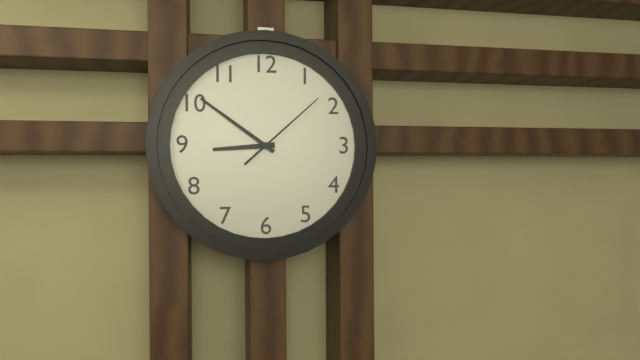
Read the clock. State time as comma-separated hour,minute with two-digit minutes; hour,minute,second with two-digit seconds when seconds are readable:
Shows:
8,51,08
